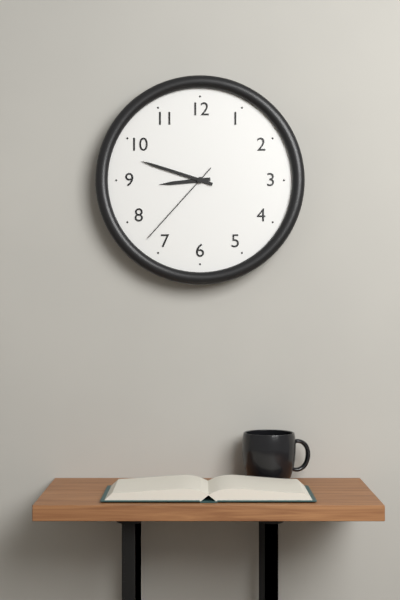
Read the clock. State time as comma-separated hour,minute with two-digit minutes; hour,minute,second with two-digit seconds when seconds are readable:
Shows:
8,48,37
